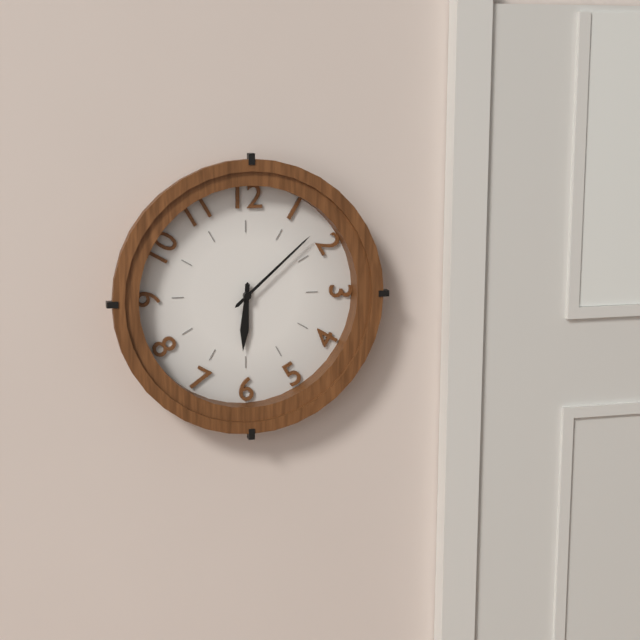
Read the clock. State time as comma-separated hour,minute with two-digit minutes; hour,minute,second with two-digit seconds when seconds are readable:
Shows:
6,08
